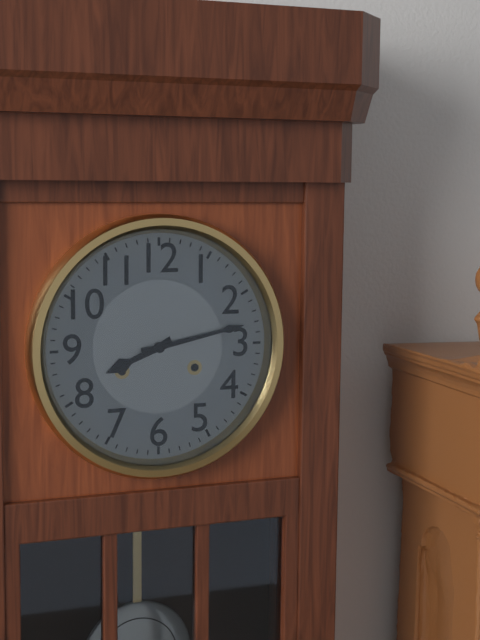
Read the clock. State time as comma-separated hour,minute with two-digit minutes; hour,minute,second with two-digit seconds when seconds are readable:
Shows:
8,13
